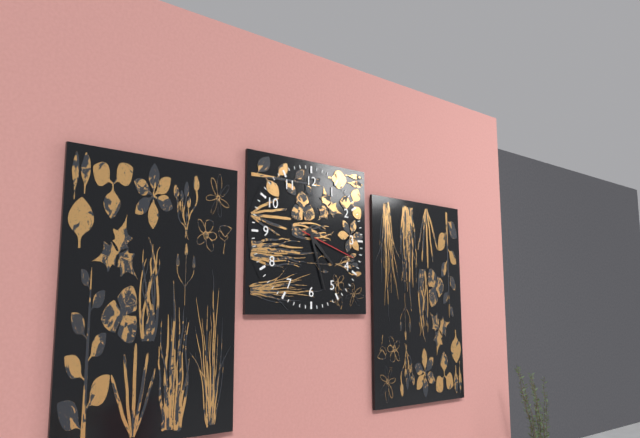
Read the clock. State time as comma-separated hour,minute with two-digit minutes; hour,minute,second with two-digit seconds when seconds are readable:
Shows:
4,27,18
